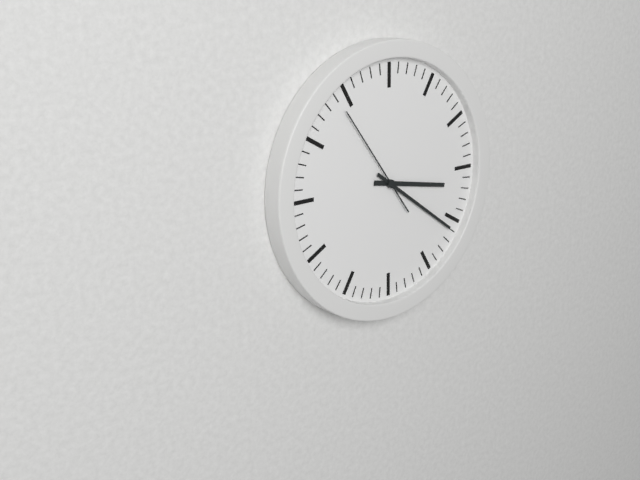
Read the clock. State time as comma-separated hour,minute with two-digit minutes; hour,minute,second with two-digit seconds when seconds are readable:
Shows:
3,21,54
